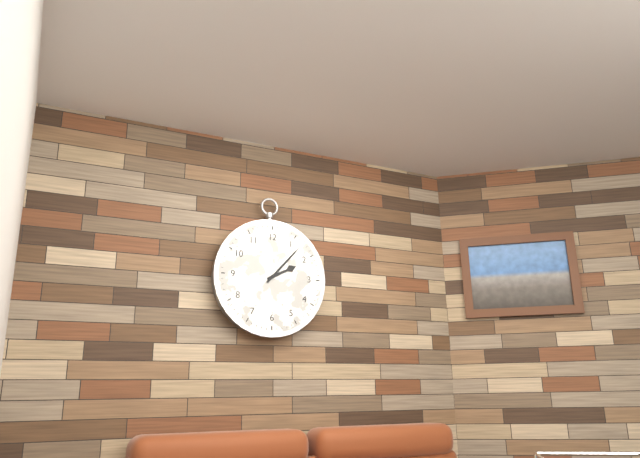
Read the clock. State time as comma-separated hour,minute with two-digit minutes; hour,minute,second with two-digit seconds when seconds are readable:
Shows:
2,07
